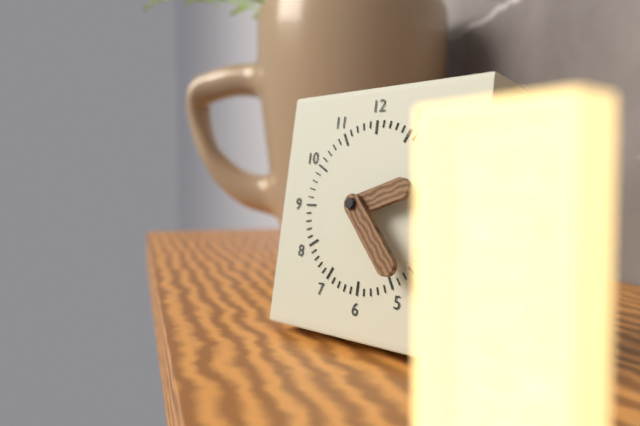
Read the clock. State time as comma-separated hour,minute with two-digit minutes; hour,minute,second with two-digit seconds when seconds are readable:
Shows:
2,23
